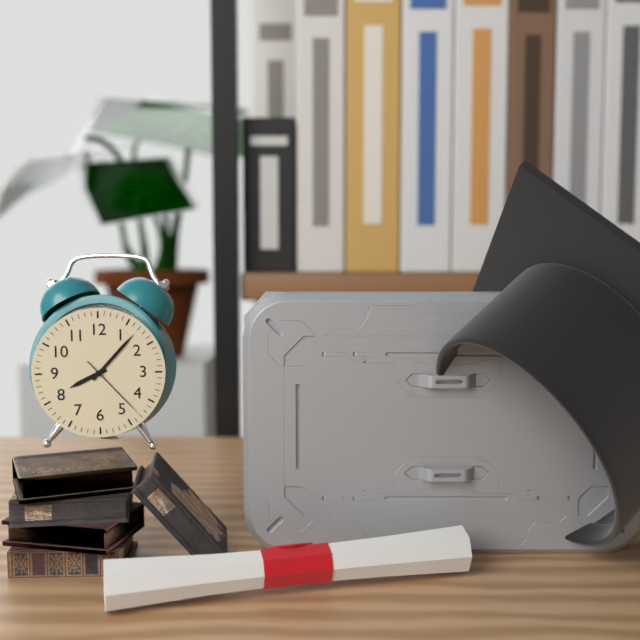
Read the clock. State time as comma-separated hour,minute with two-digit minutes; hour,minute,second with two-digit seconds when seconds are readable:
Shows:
8,07,23
